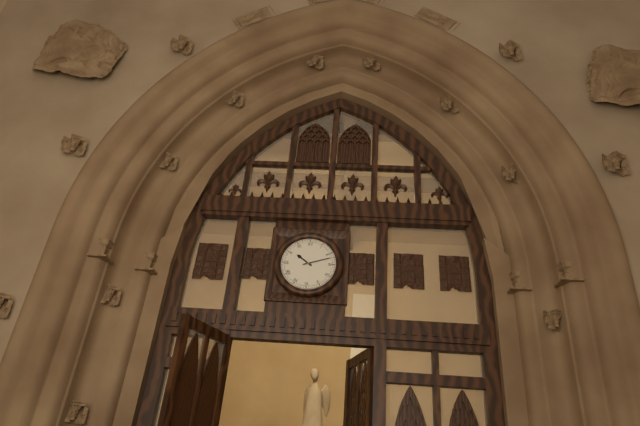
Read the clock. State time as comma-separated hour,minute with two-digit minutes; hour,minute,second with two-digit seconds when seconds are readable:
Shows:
10,12
